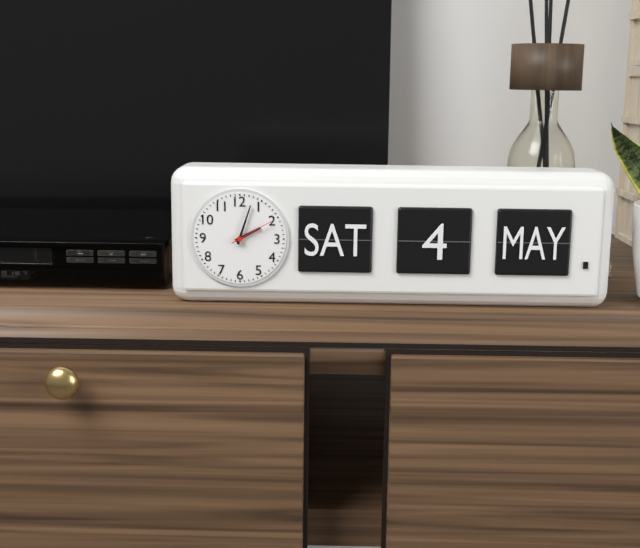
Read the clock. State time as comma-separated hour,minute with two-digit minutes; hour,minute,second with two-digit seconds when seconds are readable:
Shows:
2,03
